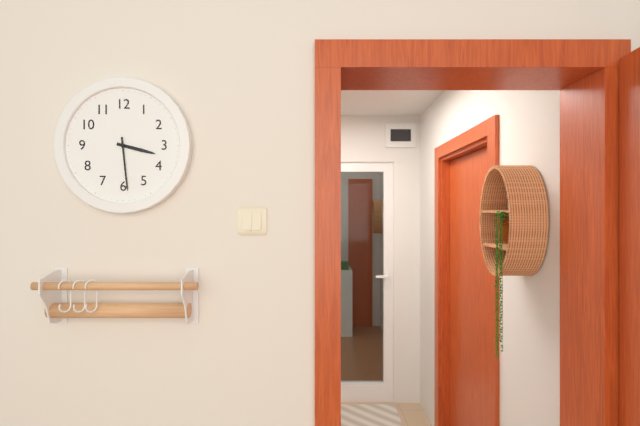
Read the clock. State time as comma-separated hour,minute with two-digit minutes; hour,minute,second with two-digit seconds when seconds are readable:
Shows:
3,29
